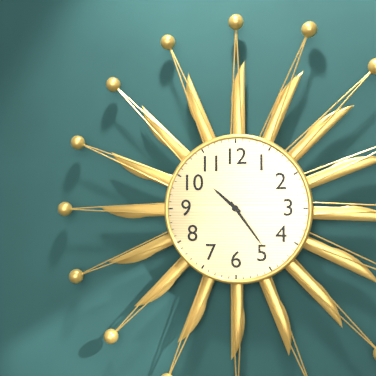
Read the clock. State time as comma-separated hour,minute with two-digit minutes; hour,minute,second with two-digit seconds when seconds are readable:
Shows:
10,24
